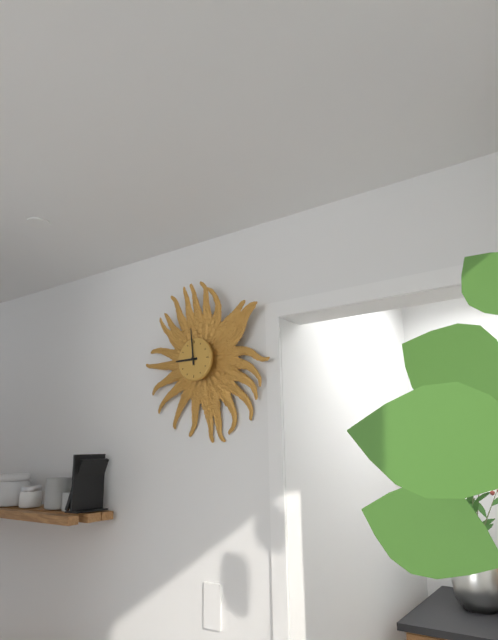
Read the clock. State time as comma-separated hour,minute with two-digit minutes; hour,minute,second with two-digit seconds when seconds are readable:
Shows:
8,59
